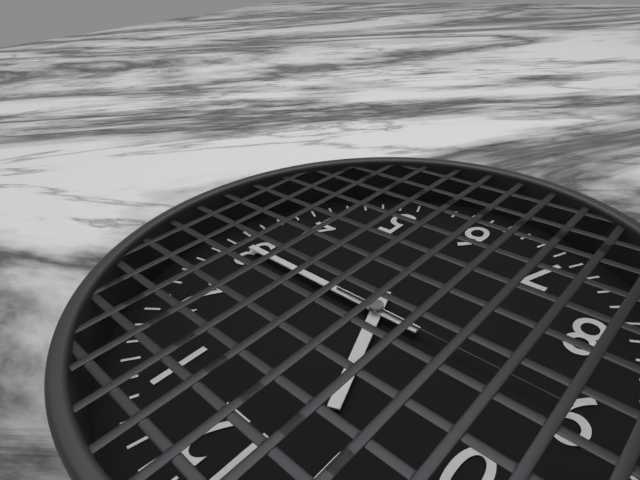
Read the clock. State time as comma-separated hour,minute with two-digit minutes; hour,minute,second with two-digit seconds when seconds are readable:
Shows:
11,15,45
